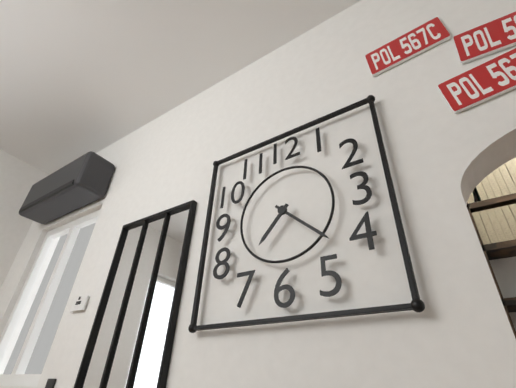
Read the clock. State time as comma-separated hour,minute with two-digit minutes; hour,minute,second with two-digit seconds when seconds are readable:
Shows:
7,22
